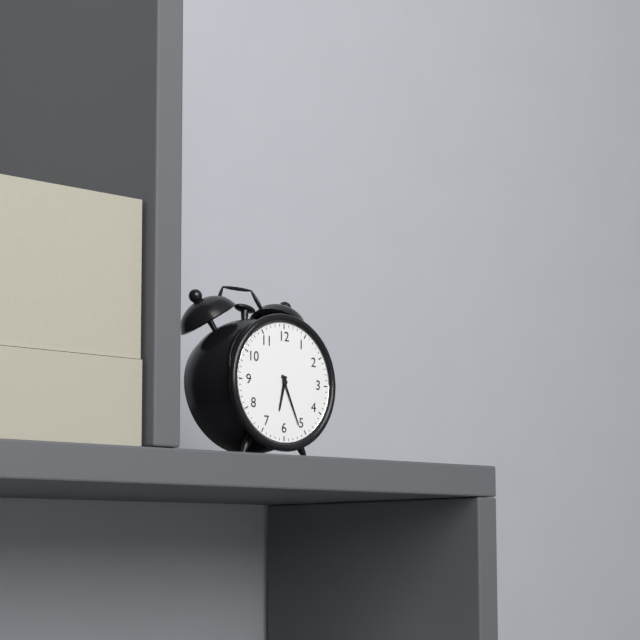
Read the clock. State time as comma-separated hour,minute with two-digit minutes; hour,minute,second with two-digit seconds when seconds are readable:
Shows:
6,26
